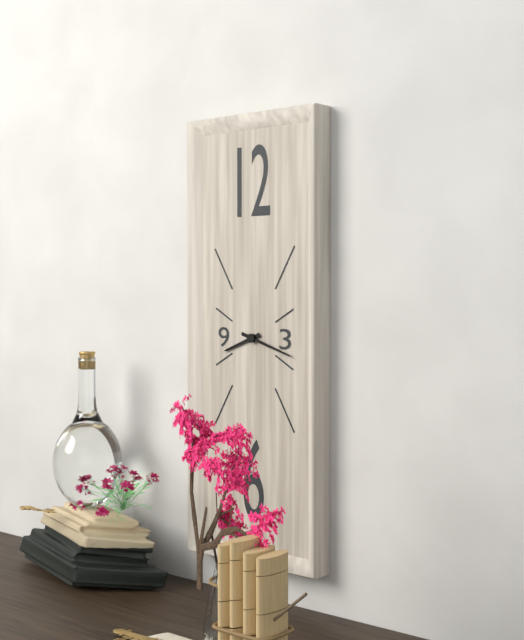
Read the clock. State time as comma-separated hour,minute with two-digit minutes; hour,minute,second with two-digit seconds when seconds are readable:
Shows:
8,18
